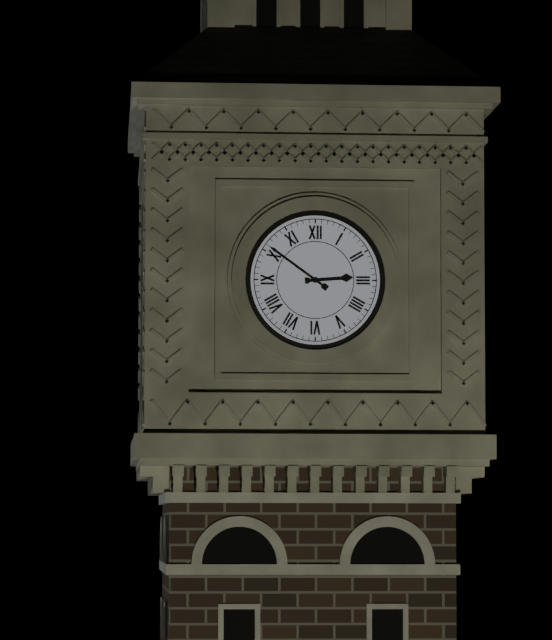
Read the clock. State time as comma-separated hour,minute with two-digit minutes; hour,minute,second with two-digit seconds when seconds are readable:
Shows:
2,51
